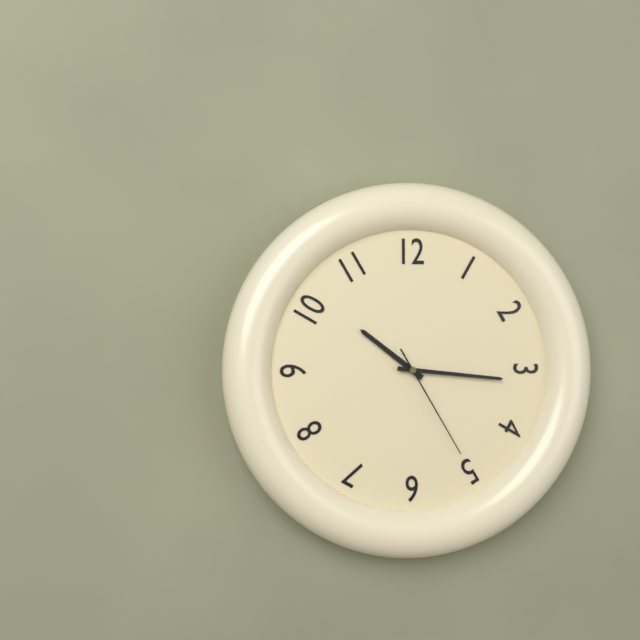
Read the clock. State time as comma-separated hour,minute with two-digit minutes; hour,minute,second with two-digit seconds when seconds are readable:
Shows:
10,16,25
